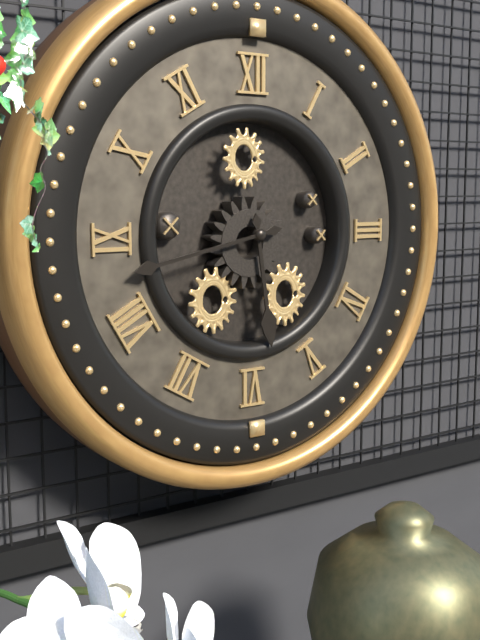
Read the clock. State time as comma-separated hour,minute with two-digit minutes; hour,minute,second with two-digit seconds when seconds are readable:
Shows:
5,43
